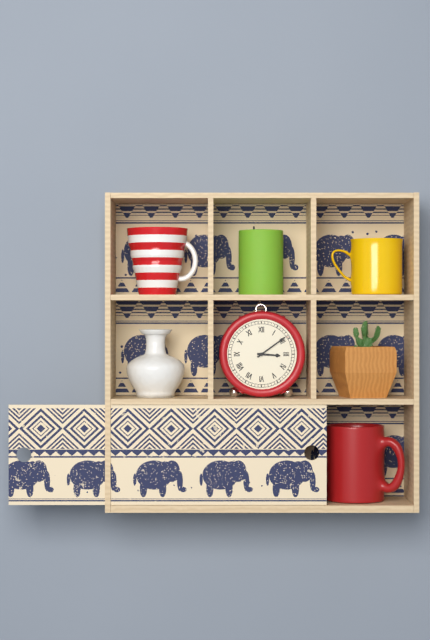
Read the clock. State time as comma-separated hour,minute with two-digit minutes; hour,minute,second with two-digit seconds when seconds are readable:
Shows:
3,09
